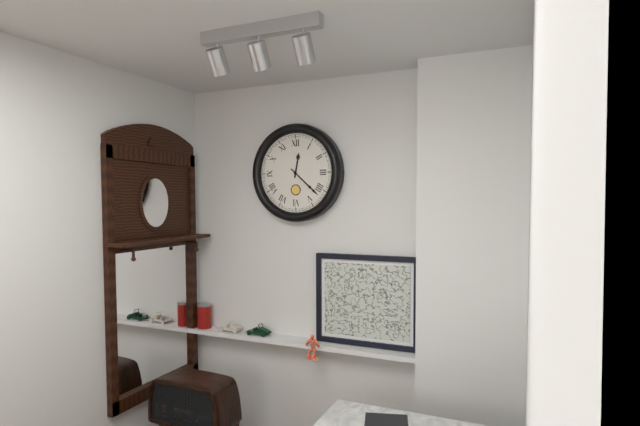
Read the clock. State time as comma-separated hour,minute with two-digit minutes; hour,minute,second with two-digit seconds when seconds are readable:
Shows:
12,22
